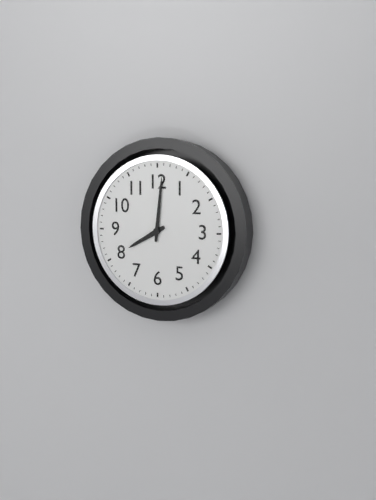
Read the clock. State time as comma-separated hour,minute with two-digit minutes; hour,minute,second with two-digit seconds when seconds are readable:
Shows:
8,01
